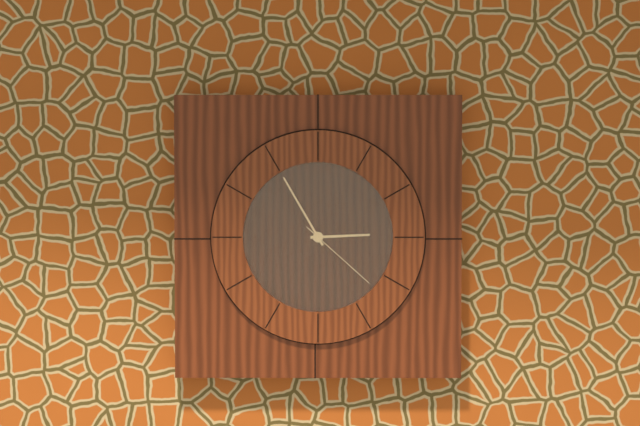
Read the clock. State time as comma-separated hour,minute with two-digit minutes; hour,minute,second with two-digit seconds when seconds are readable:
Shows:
2,55,22
